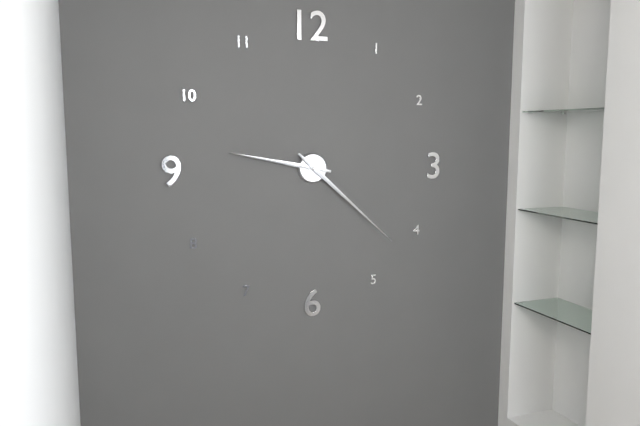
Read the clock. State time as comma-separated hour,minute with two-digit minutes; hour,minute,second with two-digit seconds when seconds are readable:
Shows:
9,22
